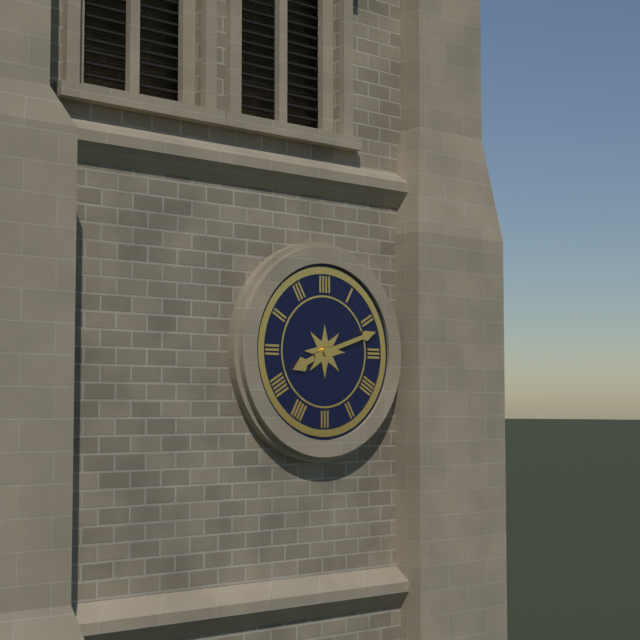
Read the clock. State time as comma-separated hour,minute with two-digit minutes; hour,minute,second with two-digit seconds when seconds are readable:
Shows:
8,12
